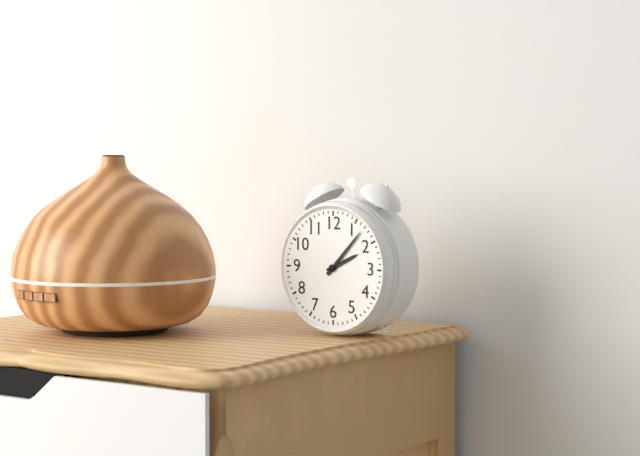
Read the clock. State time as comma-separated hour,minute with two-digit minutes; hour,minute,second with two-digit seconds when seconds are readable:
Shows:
2,07
